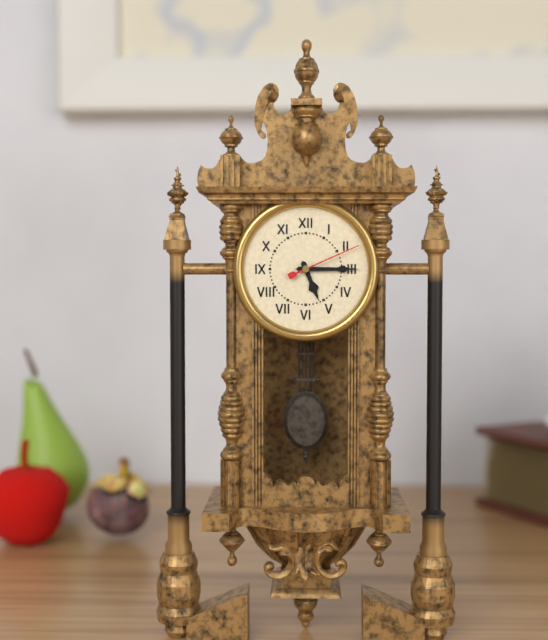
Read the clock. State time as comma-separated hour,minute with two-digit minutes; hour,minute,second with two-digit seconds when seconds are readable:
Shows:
5,15,11
